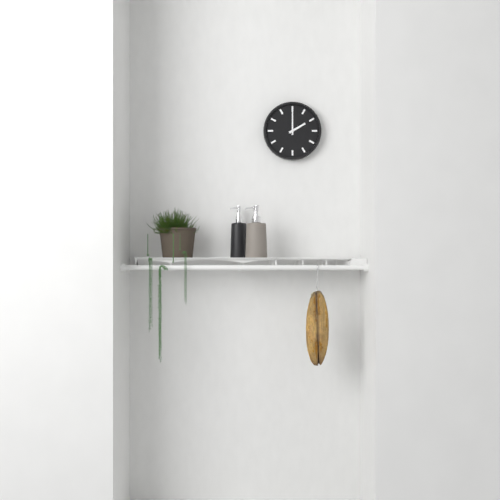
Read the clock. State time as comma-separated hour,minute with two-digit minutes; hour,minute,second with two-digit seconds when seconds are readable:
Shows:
2,00
